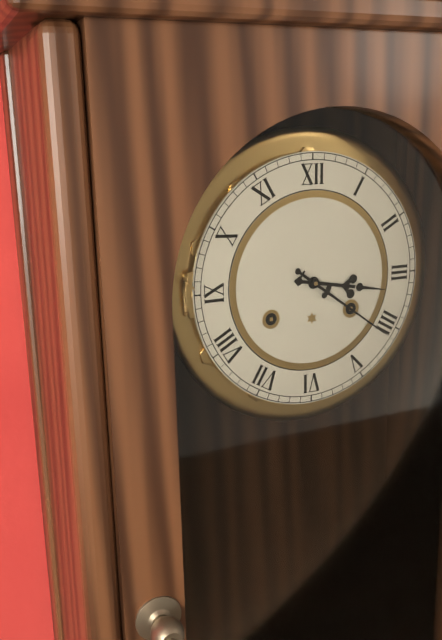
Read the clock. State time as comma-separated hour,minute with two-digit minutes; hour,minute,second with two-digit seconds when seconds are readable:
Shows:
3,21
